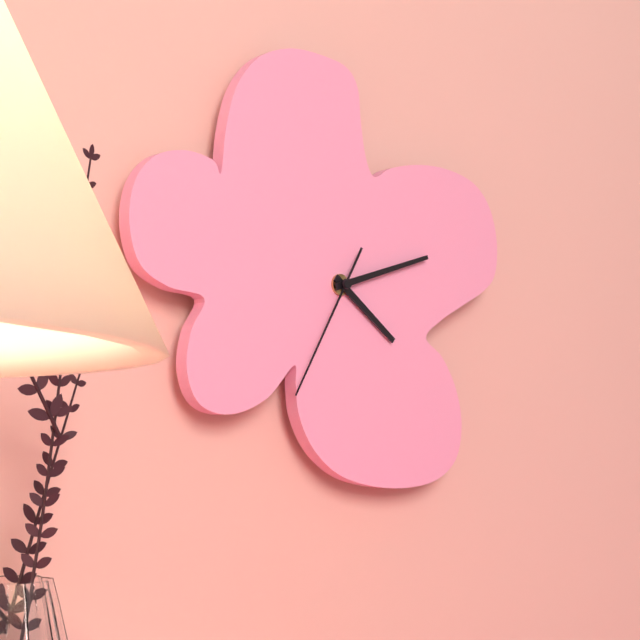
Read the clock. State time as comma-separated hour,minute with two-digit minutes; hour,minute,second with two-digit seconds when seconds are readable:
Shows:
4,12,35
